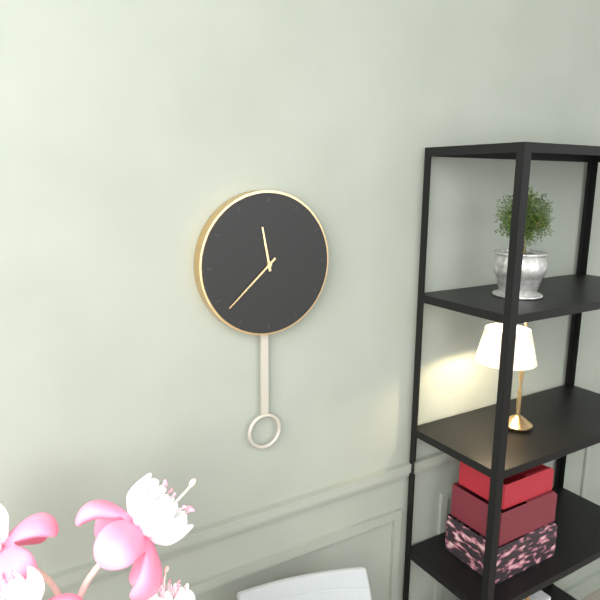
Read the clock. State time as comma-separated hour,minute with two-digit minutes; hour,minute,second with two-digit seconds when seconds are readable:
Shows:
11,38
